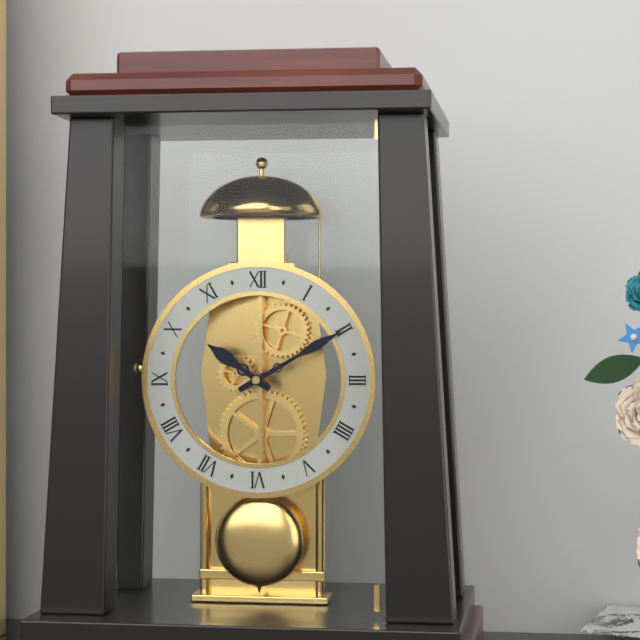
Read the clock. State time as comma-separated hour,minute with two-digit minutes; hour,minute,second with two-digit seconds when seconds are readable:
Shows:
10,10
